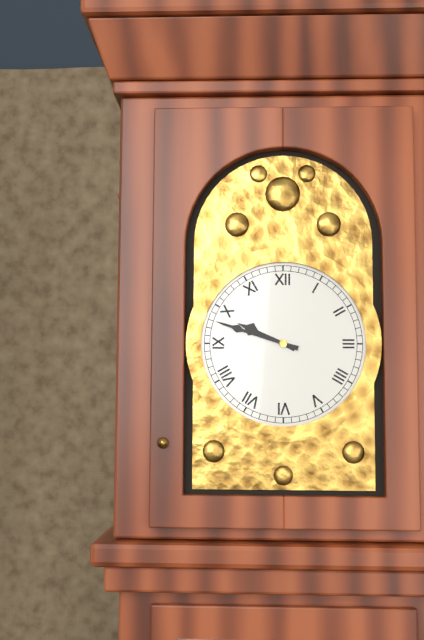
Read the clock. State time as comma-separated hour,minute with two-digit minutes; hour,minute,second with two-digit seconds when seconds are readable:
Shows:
9,48
